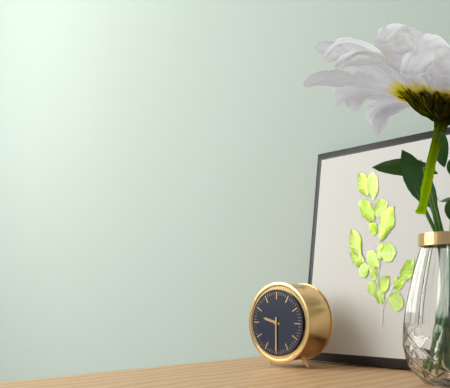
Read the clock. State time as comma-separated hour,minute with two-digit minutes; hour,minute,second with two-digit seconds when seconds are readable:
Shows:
9,30
